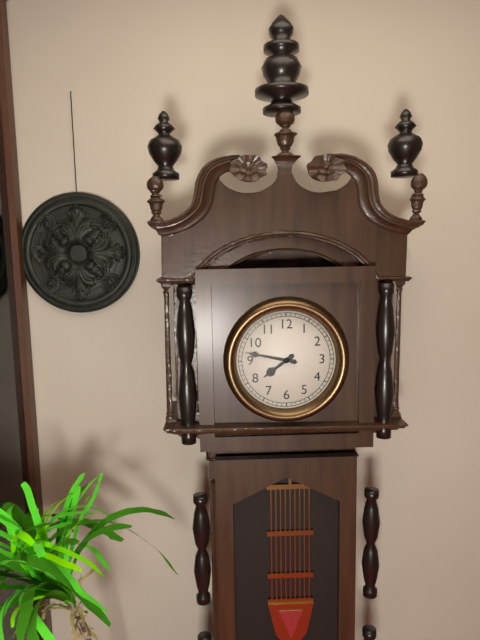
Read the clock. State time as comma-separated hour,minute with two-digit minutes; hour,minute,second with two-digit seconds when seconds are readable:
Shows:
7,47
